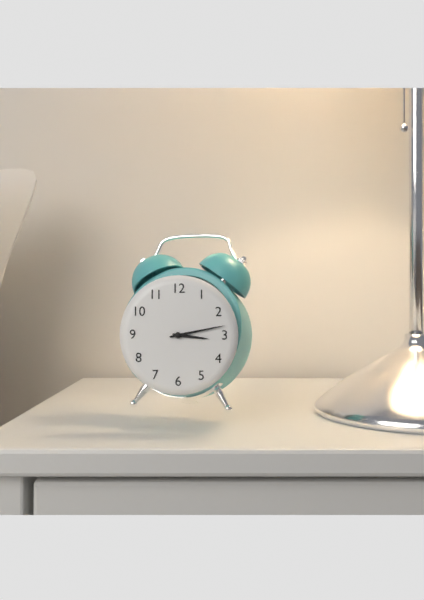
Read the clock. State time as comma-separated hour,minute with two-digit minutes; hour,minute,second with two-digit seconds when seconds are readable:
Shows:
3,13
